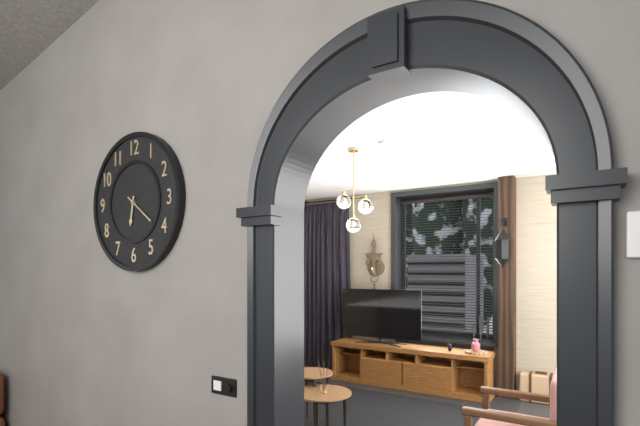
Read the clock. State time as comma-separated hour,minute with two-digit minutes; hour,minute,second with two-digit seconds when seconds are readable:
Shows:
6,21
